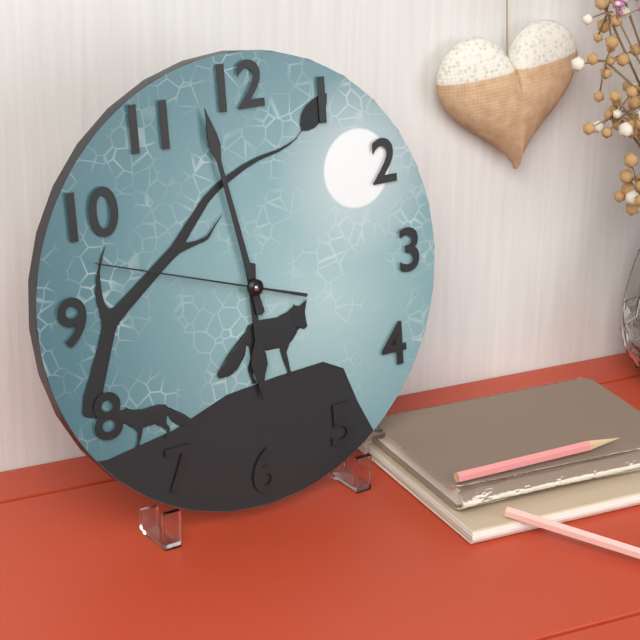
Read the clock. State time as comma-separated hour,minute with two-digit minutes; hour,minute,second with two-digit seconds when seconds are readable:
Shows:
5,58,48
